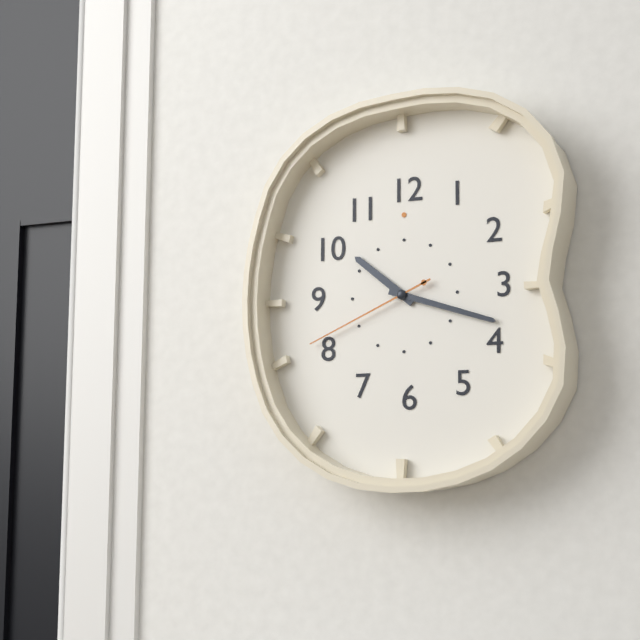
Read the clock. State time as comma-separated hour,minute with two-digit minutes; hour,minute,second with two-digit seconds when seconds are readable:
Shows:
10,18,41
